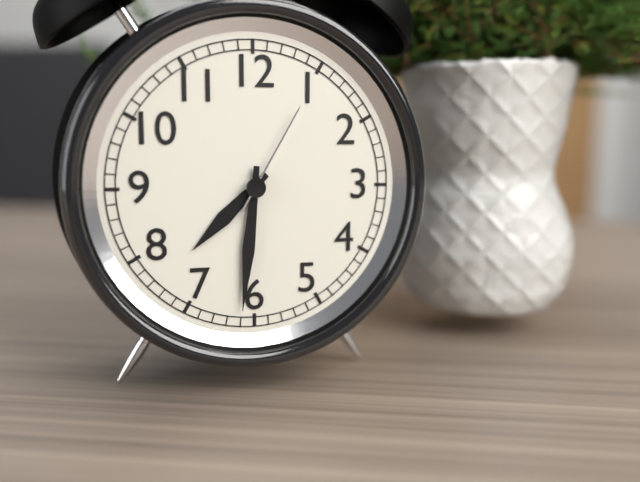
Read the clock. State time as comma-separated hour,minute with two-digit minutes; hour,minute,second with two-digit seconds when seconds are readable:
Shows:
7,31,05
